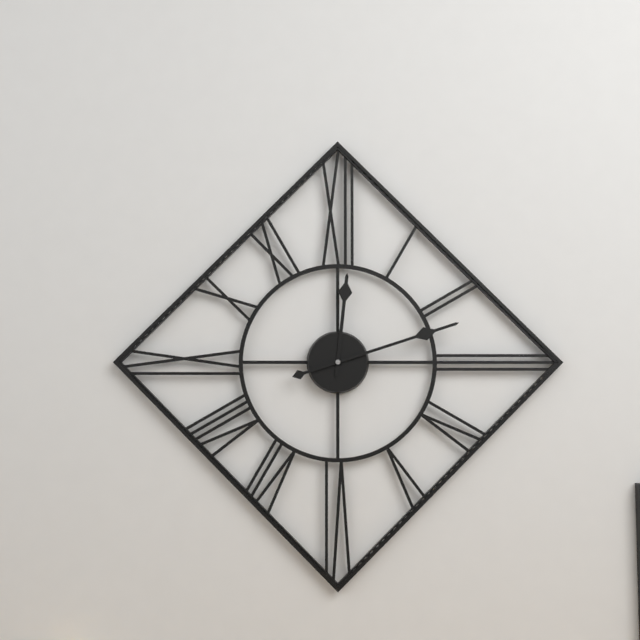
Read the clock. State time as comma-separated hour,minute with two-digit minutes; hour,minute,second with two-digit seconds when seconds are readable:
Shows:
12,12
